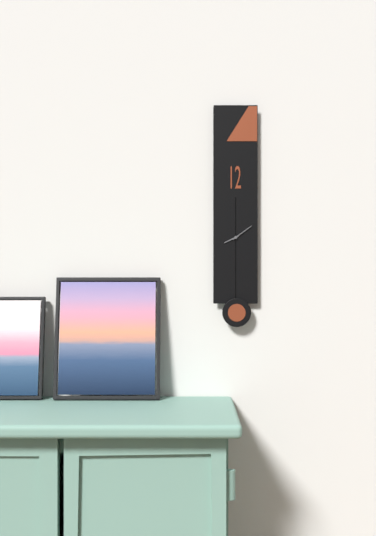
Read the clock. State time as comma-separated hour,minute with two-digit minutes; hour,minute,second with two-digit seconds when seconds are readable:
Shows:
8,09
